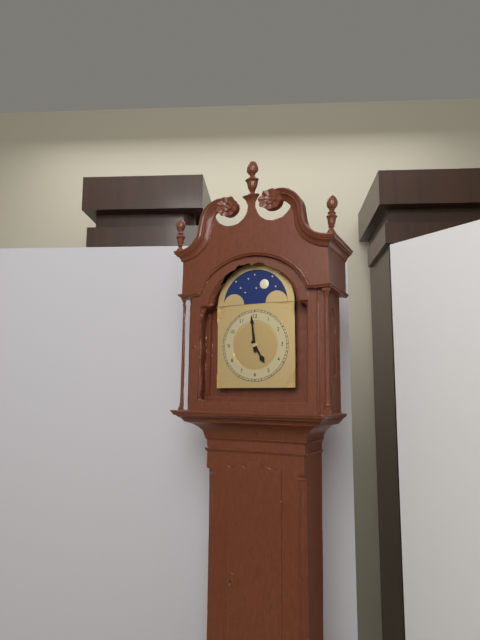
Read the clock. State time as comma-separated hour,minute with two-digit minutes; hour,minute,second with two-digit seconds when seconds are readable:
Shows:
4,59
